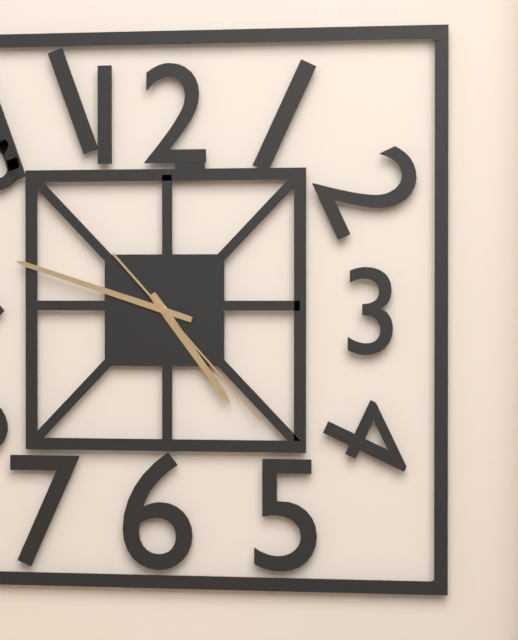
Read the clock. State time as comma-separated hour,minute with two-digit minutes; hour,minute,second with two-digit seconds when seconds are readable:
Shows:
4,48,23
